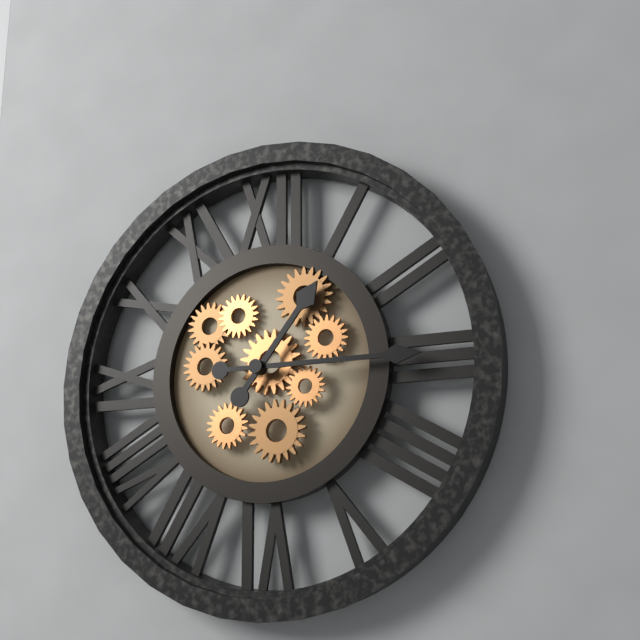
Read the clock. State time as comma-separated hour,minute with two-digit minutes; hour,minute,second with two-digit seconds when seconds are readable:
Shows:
1,15
